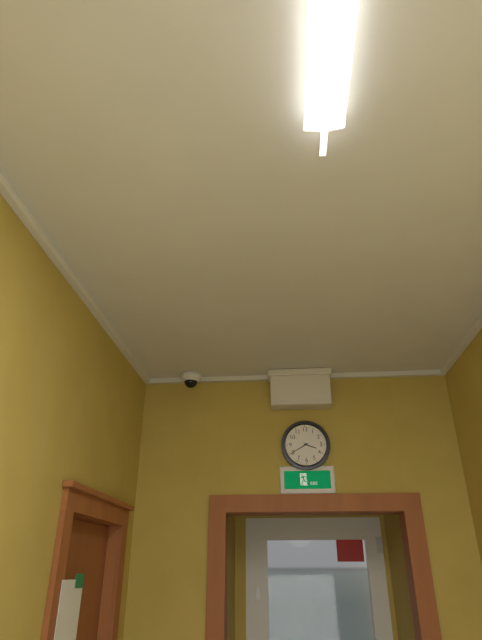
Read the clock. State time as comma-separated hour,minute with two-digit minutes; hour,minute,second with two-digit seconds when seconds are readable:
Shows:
3,40
